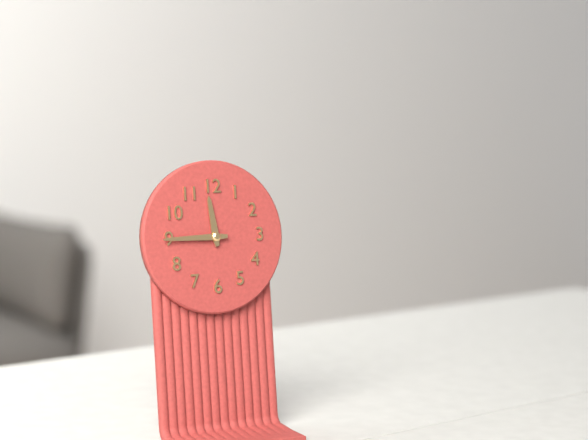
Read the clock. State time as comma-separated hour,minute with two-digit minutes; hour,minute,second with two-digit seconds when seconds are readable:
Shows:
11,45
